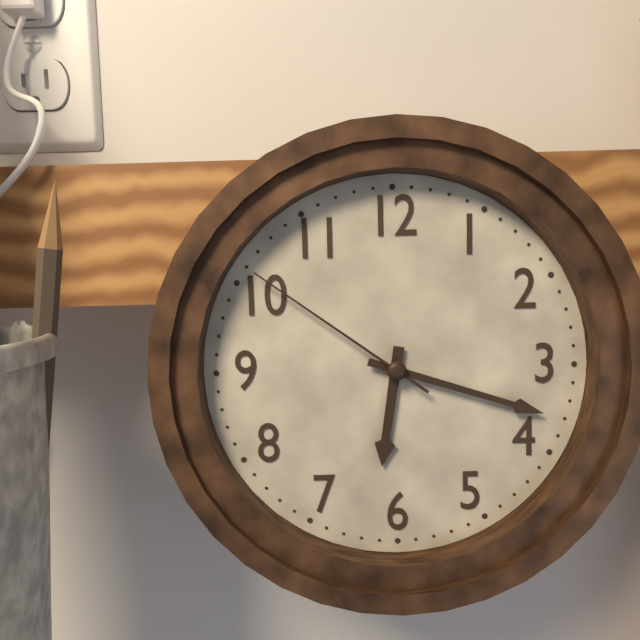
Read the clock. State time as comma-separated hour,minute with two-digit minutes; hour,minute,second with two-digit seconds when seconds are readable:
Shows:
6,18,51
